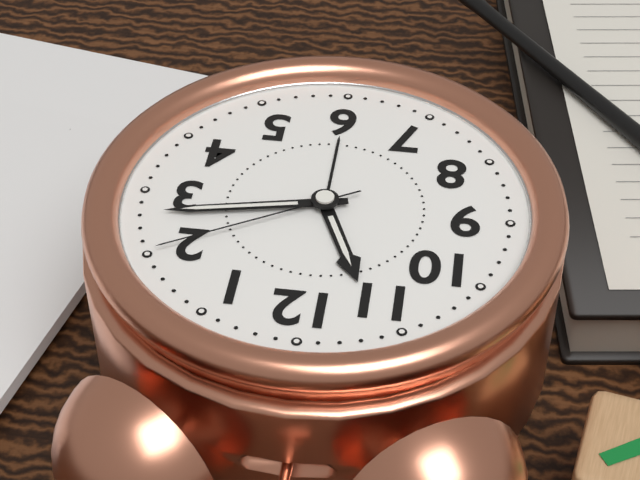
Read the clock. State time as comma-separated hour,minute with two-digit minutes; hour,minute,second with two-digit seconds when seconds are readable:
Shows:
11,13,10
